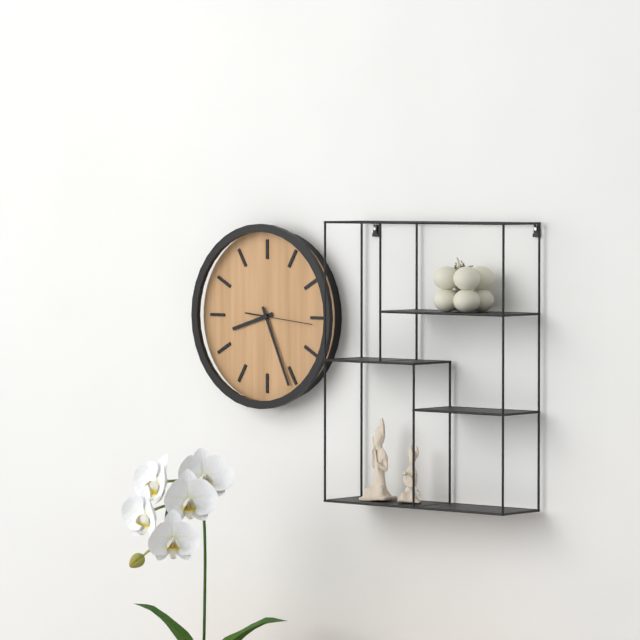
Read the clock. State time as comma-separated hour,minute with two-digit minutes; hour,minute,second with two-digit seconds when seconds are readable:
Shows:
8,26,16
